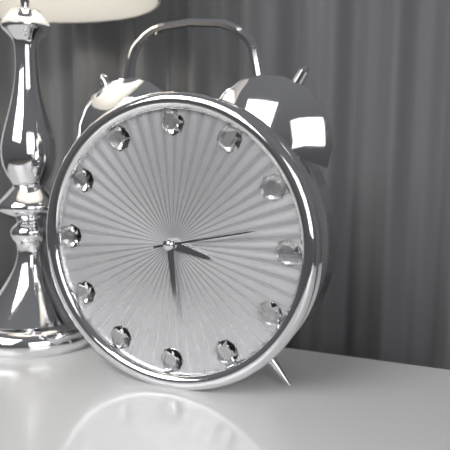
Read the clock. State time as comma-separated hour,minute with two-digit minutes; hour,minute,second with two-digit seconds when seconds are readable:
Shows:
3,29,13
